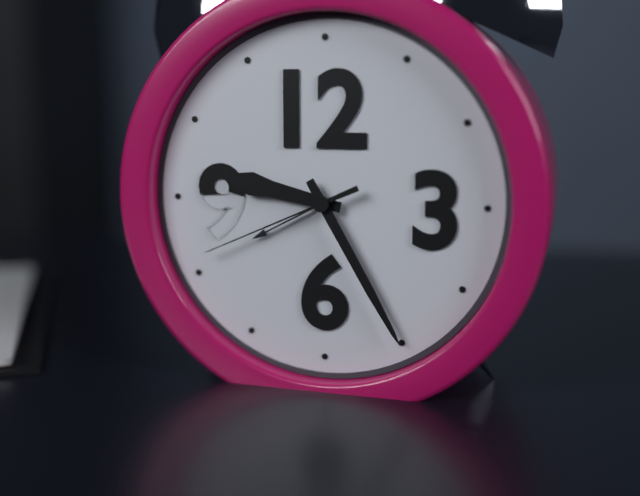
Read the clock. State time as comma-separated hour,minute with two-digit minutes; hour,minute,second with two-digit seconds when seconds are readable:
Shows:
9,25,41
